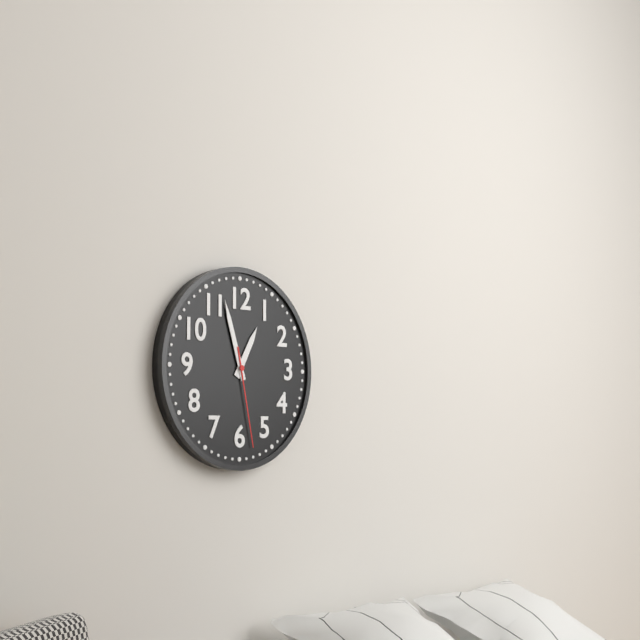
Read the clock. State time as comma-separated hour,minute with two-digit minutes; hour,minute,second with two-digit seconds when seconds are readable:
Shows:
12,57,28
